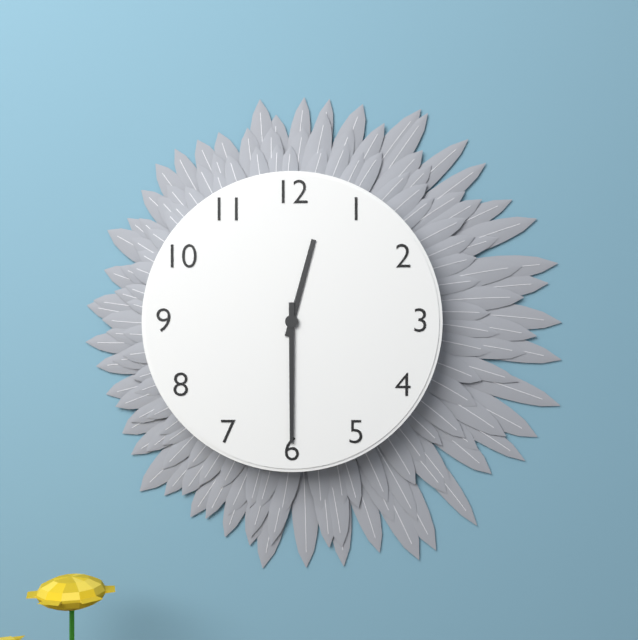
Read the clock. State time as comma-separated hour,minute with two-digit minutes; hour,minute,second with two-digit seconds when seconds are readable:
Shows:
12,30
